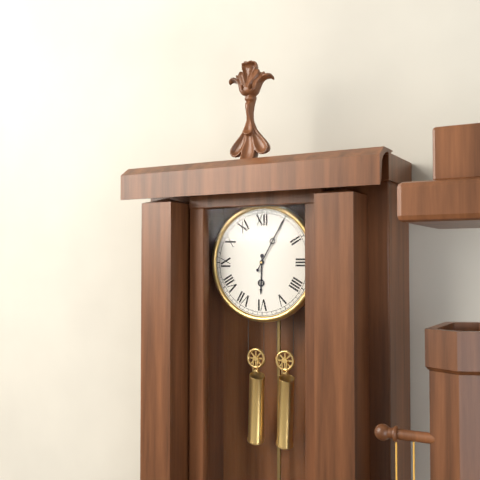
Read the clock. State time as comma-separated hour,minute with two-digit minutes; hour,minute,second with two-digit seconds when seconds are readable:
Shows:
6,05
